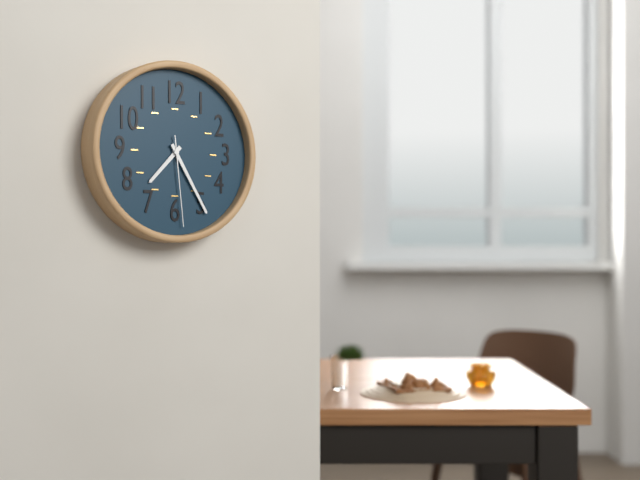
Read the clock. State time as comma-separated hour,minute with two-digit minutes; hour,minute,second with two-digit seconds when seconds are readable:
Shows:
7,25,29
